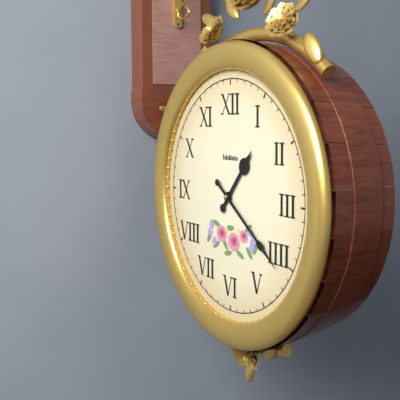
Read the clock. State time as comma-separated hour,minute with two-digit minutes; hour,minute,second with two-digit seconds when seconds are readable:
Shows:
1,21
